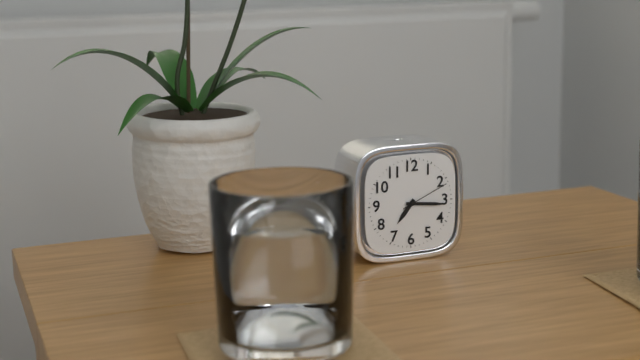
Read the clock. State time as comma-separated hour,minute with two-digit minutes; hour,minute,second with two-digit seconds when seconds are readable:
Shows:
7,16,11
